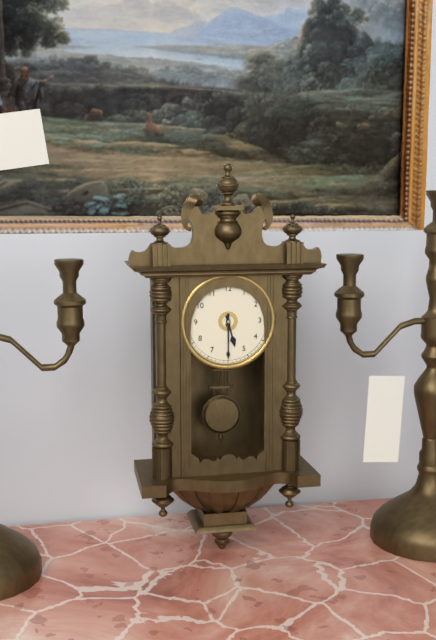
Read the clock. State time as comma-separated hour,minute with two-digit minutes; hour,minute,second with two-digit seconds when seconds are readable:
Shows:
5,30
